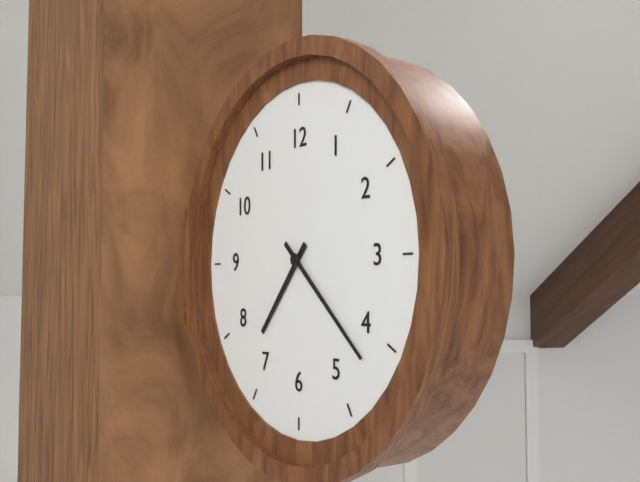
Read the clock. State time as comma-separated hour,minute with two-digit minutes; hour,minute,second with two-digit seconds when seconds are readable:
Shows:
7,22
